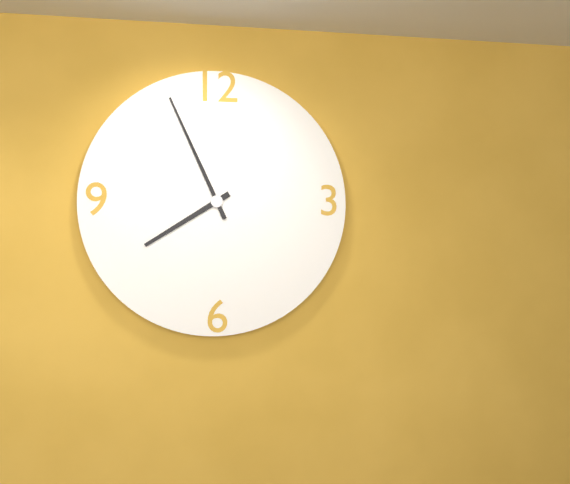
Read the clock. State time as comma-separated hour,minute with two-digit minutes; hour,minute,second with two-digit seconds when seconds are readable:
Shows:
7,56
